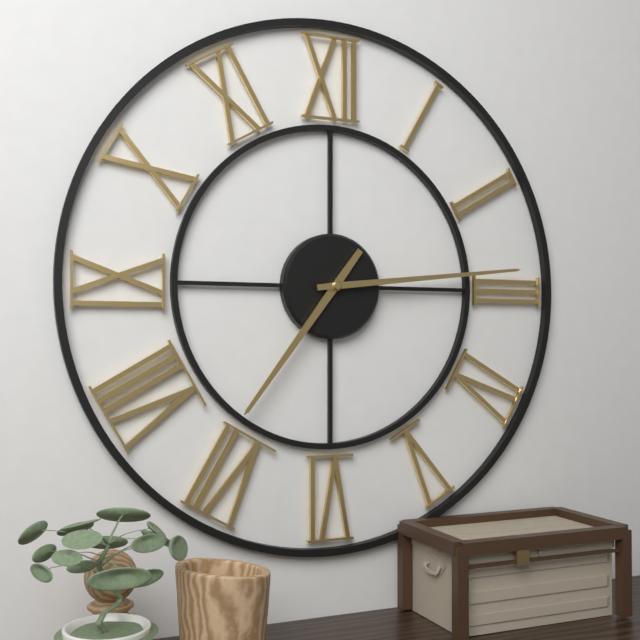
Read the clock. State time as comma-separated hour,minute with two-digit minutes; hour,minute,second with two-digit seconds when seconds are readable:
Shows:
7,14
